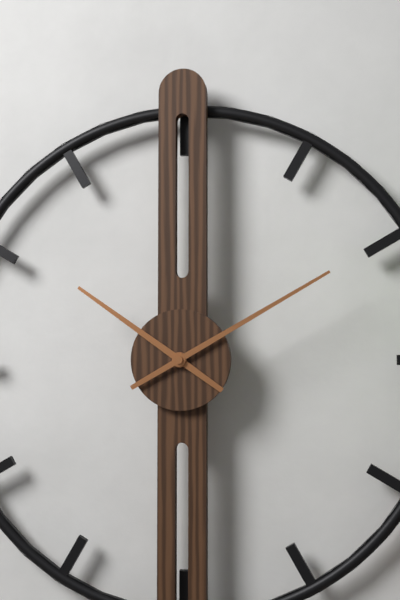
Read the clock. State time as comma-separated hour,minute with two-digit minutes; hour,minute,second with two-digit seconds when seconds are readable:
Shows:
10,10
